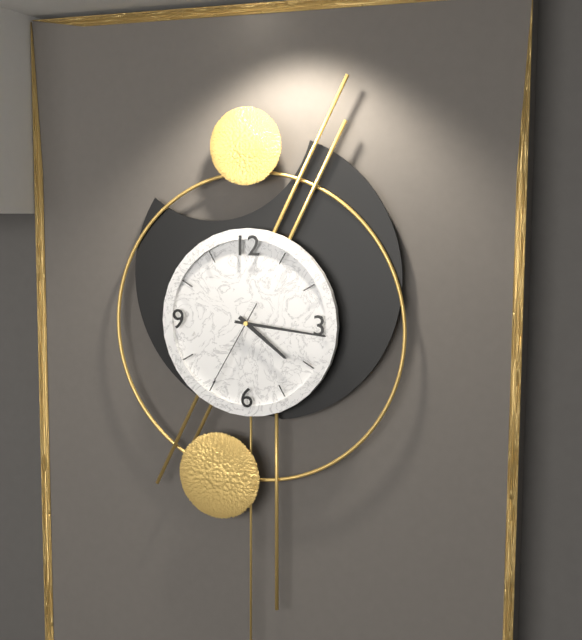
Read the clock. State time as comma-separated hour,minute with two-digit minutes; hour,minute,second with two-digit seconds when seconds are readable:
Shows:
4,16,35
